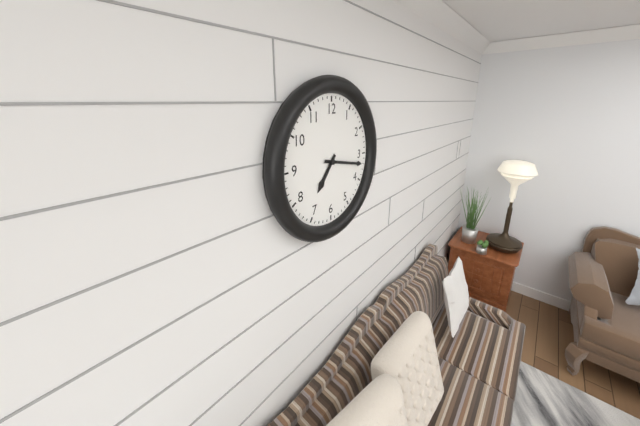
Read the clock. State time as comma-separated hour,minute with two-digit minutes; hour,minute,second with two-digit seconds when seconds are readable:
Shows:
7,17
